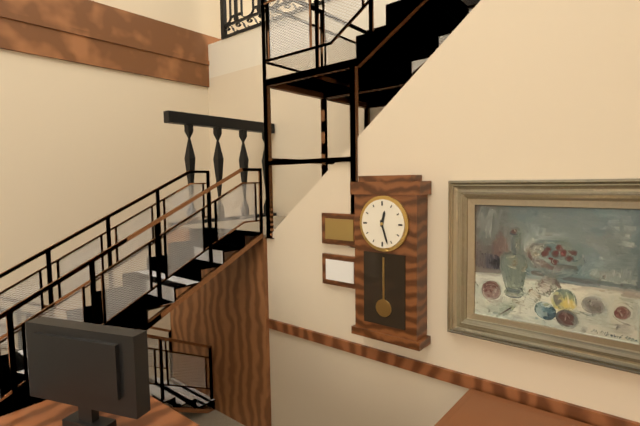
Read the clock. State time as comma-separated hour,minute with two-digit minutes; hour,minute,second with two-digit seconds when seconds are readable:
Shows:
12,27
